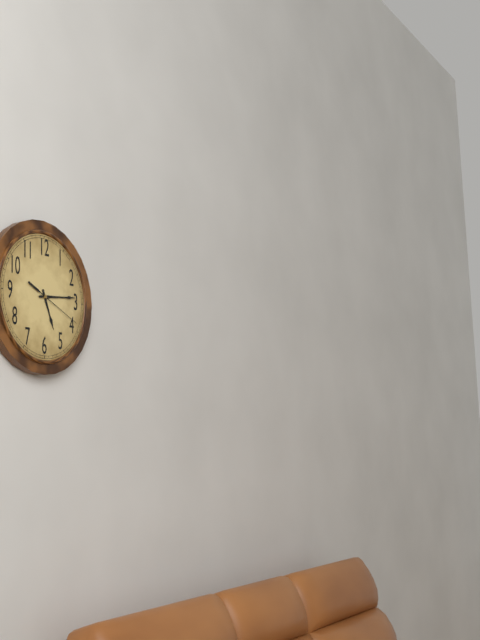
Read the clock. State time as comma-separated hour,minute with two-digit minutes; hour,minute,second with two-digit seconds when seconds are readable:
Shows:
5,14,19
